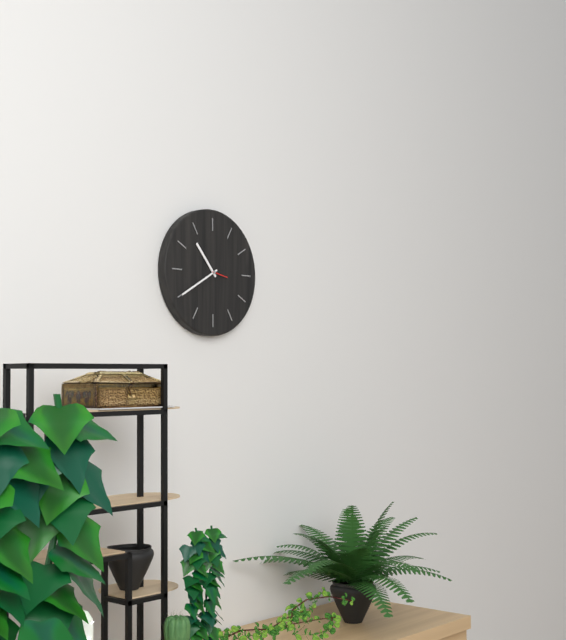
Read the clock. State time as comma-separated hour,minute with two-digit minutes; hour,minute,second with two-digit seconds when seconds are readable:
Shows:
10,40
